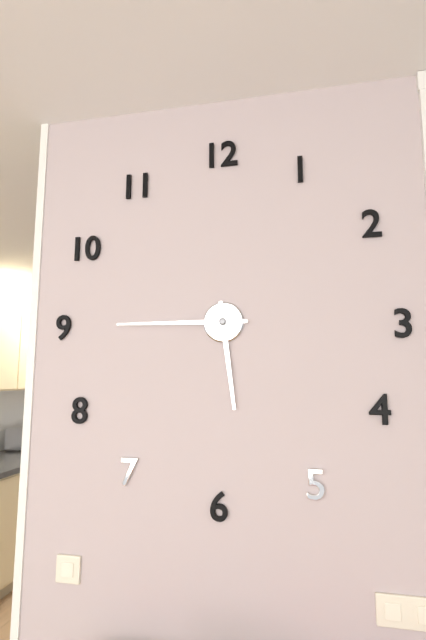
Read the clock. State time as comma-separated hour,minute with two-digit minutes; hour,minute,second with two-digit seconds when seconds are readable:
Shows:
5,45
